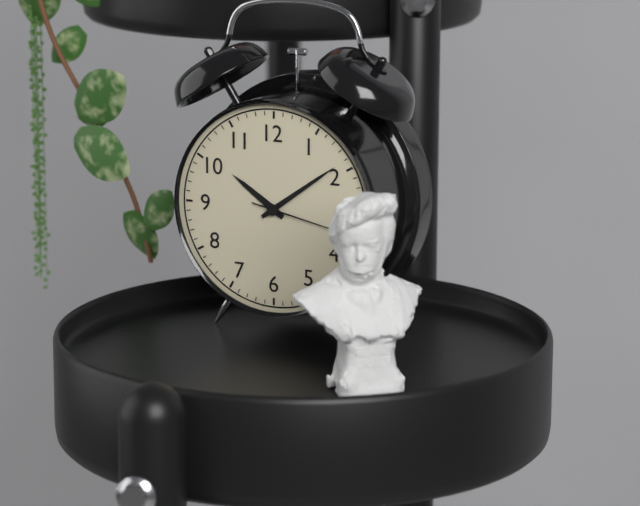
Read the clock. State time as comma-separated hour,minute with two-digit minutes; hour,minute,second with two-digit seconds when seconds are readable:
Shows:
10,09
